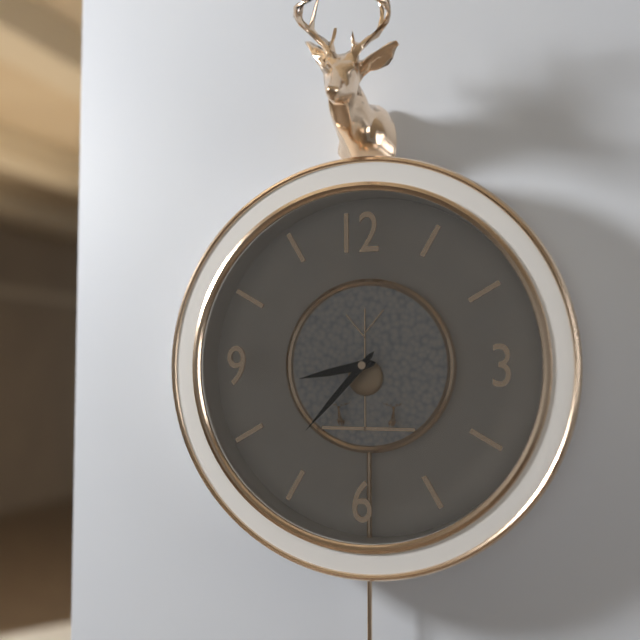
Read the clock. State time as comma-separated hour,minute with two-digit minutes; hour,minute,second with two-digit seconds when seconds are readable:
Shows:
8,37
